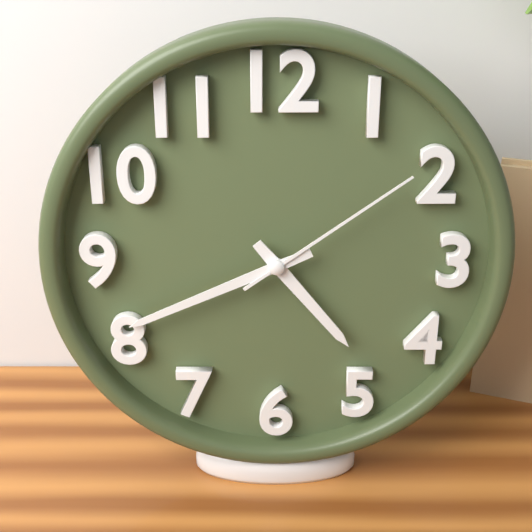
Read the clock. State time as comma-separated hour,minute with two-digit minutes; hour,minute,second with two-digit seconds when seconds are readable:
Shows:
4,41,09
